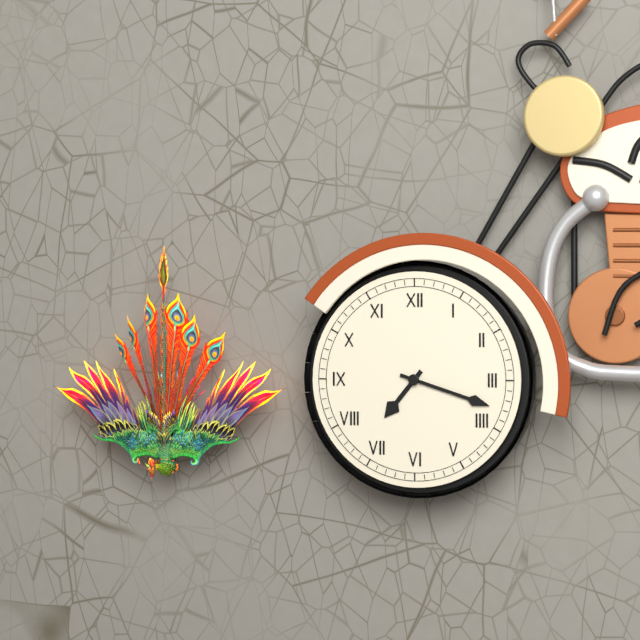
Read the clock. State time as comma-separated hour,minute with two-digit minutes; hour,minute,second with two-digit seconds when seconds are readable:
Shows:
7,18
